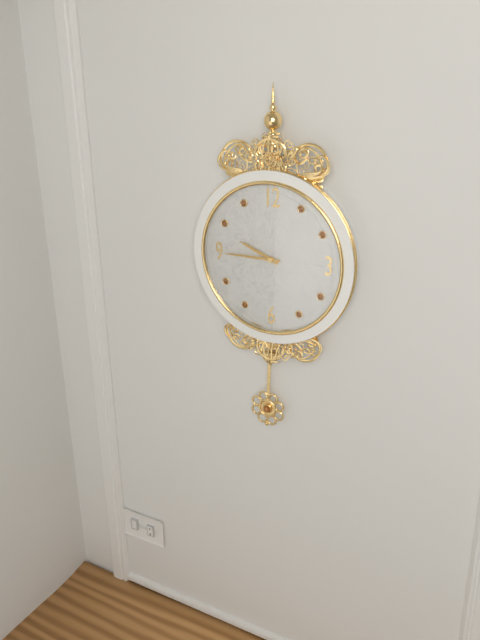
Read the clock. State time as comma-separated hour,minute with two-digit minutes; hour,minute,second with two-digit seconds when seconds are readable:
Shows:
9,45
